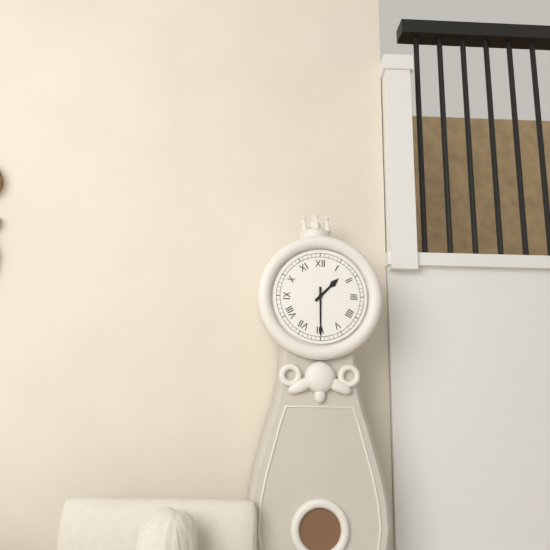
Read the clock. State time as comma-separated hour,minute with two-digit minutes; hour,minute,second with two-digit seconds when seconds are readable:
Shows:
1,30
